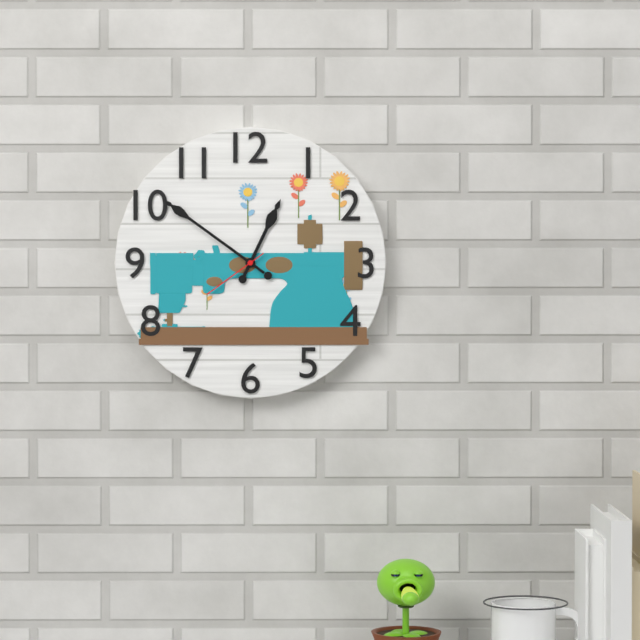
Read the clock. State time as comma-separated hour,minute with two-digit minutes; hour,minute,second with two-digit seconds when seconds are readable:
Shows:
12,51,39
